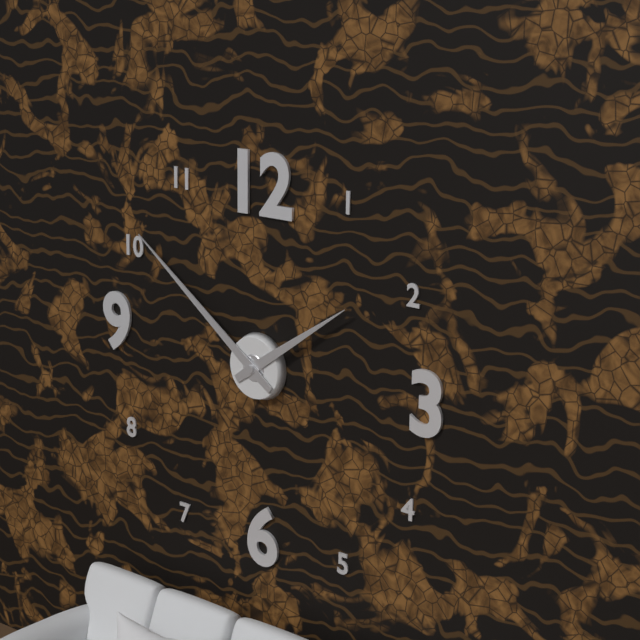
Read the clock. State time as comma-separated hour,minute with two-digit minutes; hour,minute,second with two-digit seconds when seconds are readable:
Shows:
1,51
